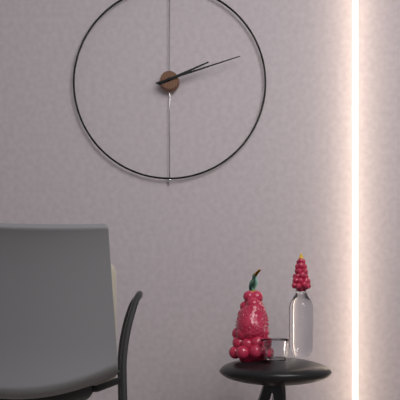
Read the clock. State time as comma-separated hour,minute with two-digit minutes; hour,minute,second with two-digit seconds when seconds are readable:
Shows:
2,12
